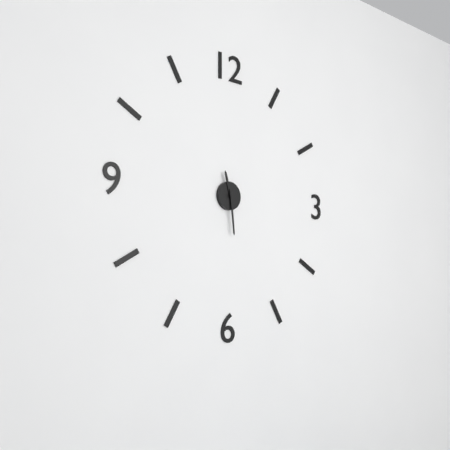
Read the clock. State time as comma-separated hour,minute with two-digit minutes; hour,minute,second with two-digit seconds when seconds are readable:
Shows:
11,29
